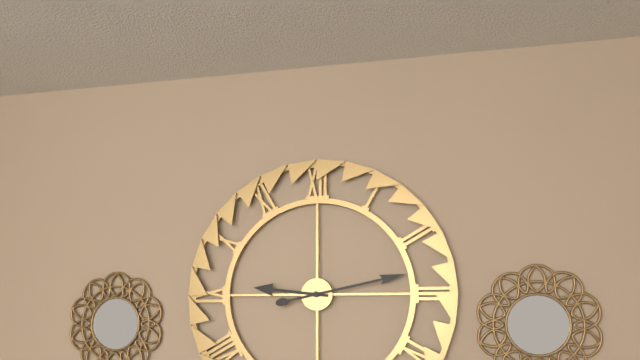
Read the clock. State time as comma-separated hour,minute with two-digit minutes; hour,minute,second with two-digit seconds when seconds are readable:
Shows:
9,13
